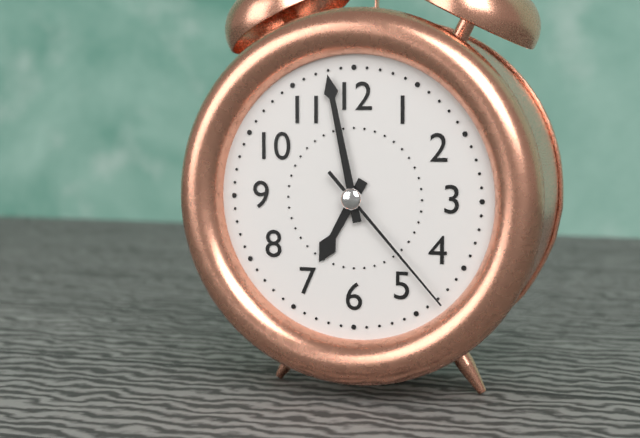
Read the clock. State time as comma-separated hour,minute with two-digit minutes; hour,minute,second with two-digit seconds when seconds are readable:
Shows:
6,58,23
